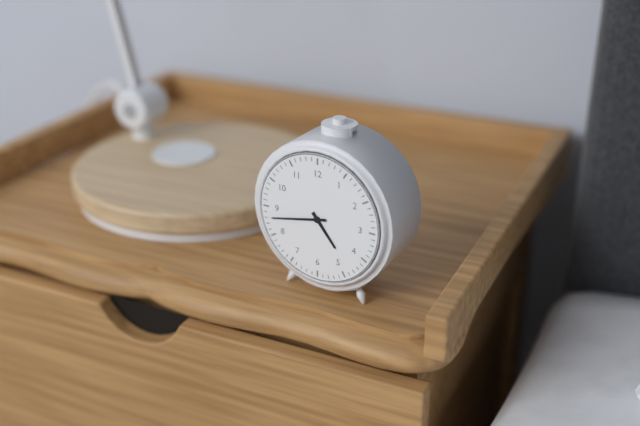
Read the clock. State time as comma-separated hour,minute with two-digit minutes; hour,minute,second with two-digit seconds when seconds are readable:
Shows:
4,43
